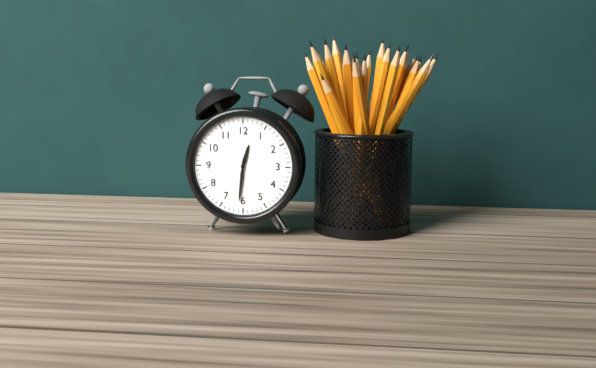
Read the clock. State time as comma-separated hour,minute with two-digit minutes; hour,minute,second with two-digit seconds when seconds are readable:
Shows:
12,31
